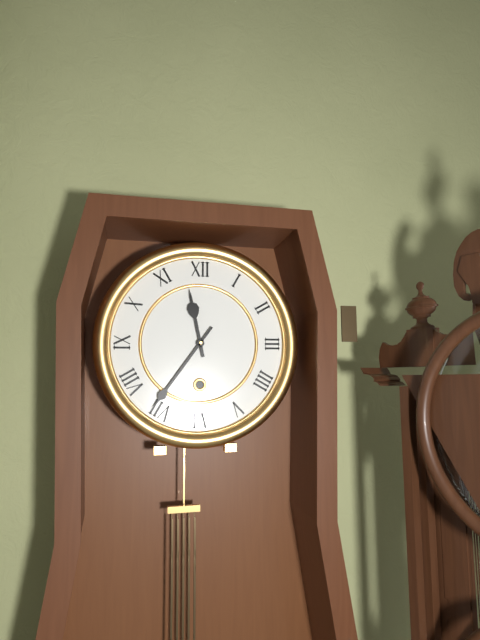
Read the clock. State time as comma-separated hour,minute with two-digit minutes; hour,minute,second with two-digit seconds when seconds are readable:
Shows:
11,36
